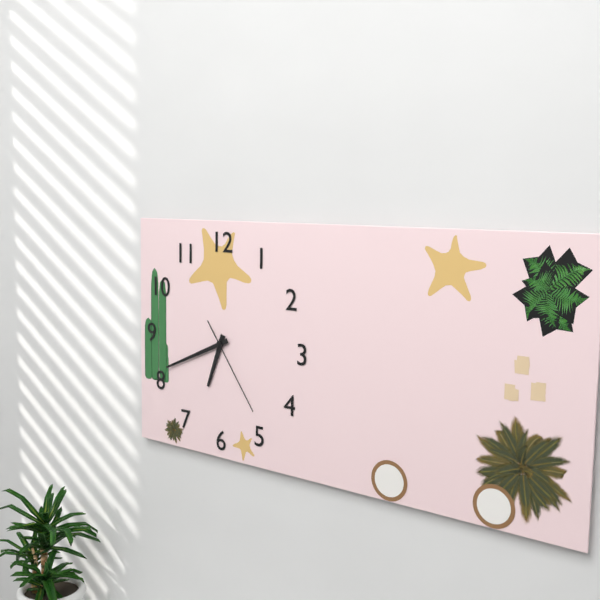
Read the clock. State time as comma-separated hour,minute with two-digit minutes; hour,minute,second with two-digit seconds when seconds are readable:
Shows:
6,41,24
